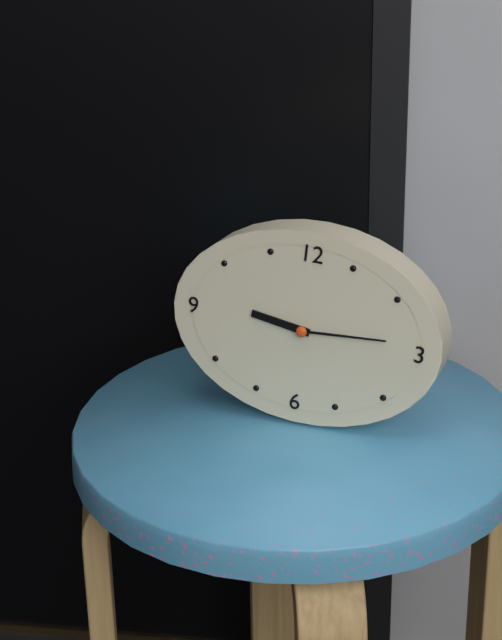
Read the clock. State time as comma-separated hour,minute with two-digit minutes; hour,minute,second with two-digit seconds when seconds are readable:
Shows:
9,14
